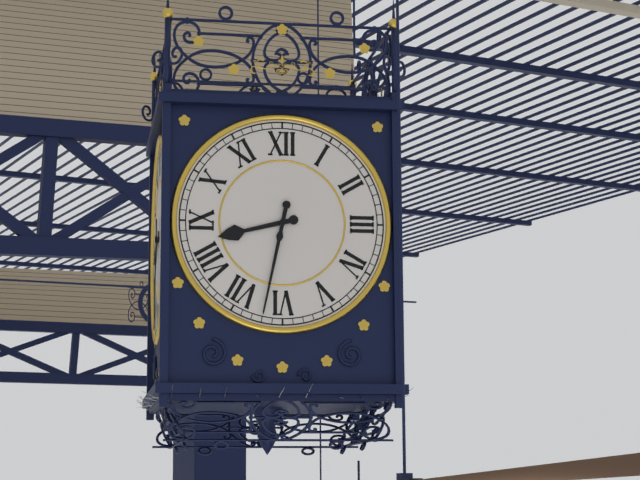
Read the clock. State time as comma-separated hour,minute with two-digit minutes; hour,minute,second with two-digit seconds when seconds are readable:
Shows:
8,32
